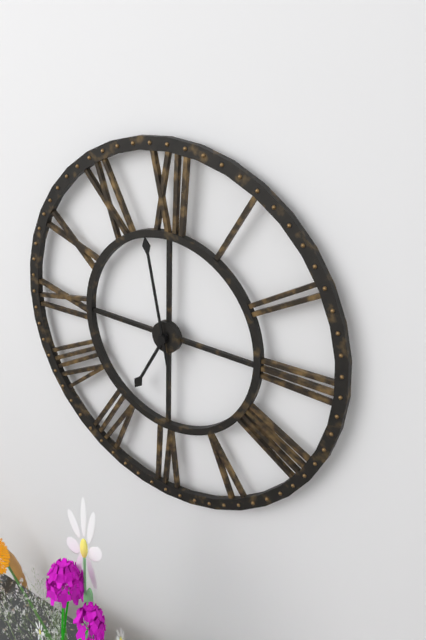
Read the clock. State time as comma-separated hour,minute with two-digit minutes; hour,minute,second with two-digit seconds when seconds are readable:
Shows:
6,58
